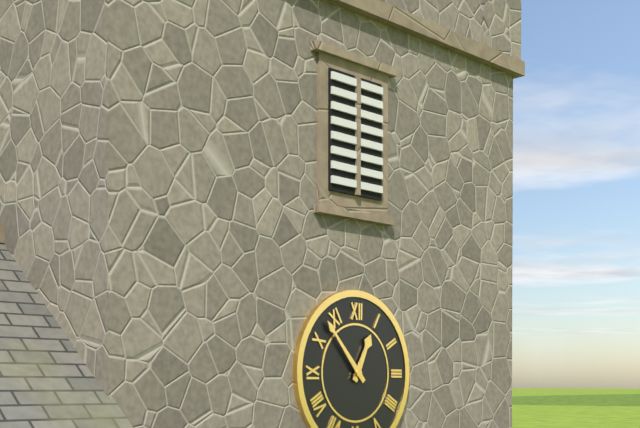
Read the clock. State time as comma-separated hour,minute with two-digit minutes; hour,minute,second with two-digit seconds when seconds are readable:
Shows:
12,53
